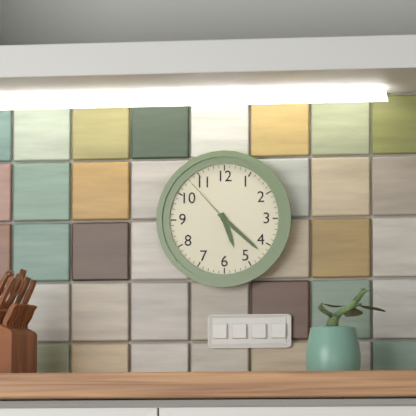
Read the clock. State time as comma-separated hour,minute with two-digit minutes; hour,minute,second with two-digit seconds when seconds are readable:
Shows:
5,22,53
